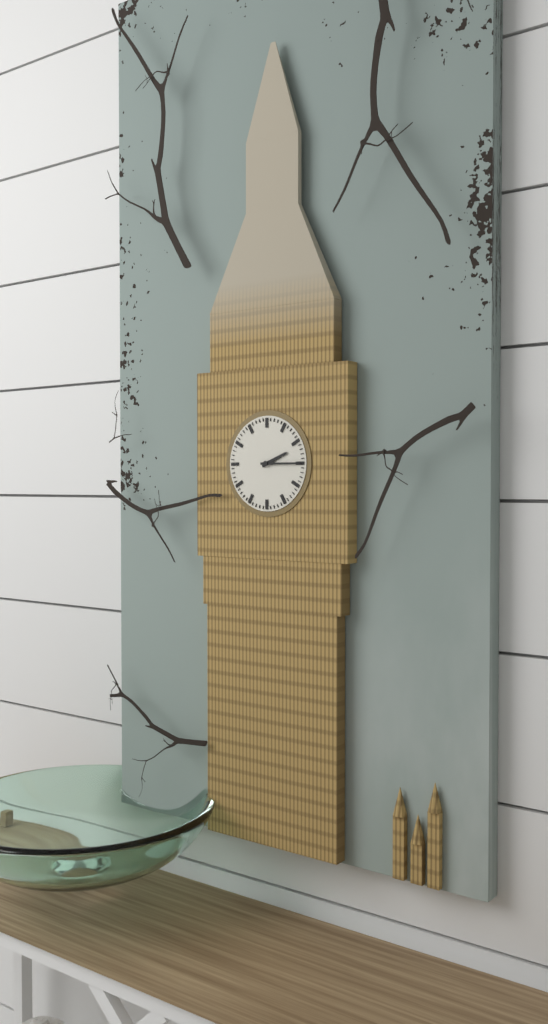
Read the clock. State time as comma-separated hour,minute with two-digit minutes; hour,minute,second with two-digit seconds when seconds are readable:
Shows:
2,15
